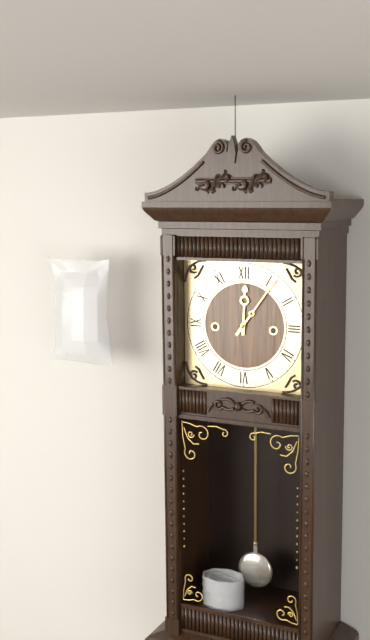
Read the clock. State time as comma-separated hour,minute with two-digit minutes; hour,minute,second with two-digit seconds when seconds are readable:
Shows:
12,06
